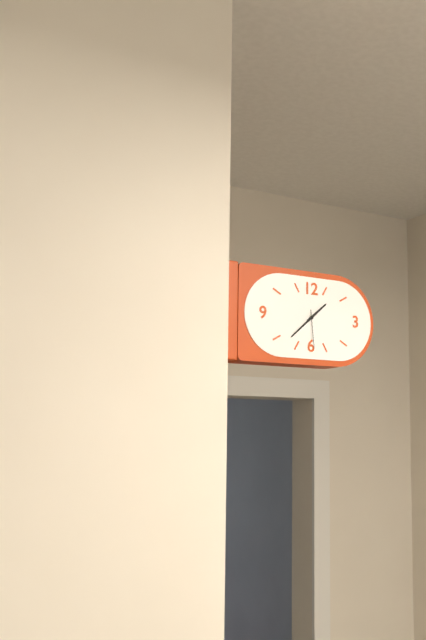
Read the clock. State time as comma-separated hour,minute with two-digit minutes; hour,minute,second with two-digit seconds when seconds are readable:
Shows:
1,38
